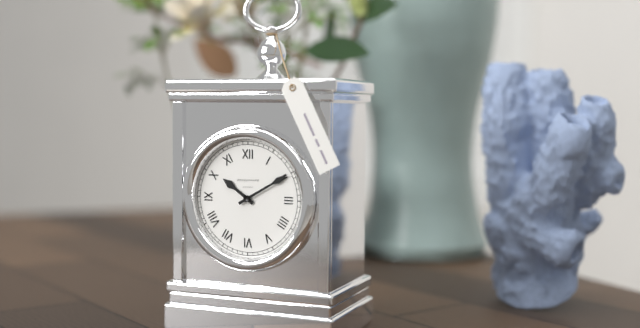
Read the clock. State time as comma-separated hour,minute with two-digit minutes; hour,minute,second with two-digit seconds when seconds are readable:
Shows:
10,10
